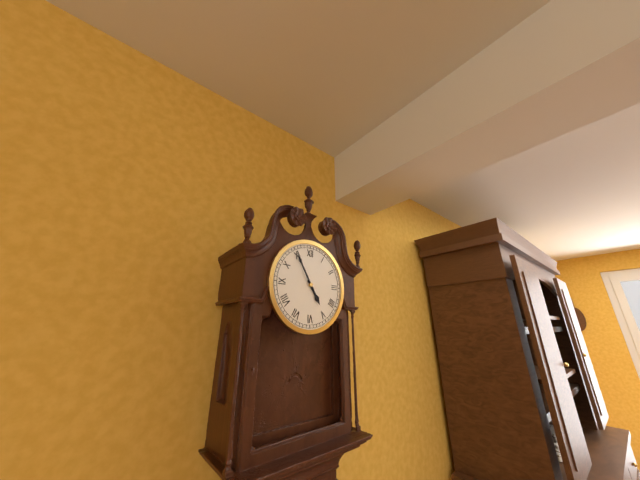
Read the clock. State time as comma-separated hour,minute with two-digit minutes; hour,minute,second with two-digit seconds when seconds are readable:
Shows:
4,55
